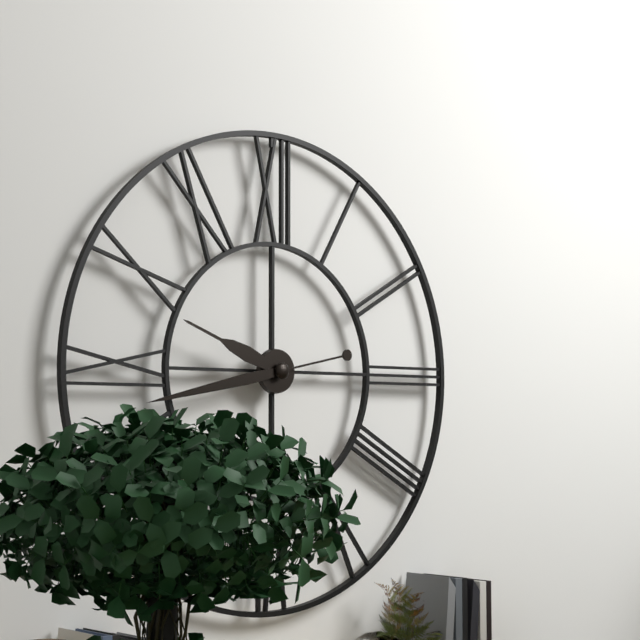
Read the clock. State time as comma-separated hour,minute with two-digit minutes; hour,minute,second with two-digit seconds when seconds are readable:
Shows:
9,43
